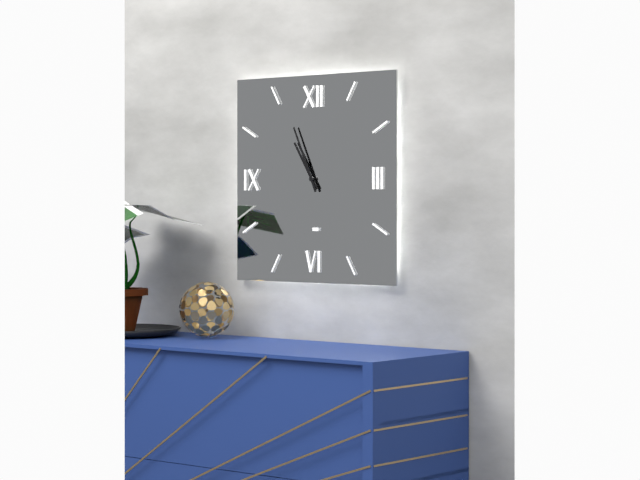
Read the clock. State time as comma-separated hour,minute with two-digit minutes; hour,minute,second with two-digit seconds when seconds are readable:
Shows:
10,56
